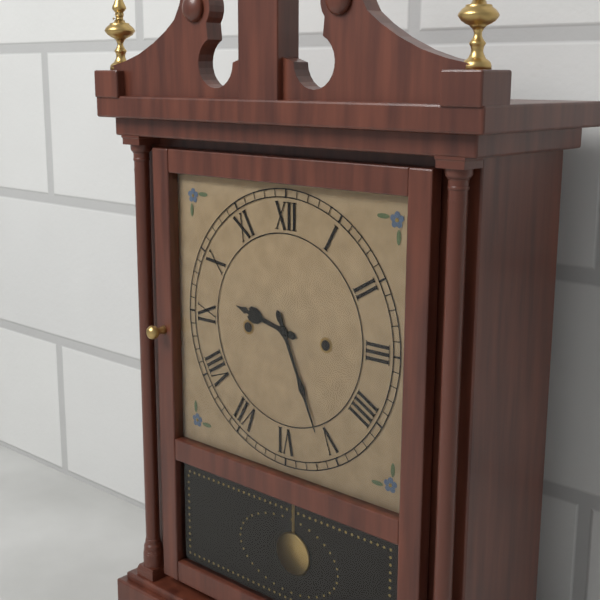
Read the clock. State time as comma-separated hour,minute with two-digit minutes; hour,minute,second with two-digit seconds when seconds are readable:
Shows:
9,26
